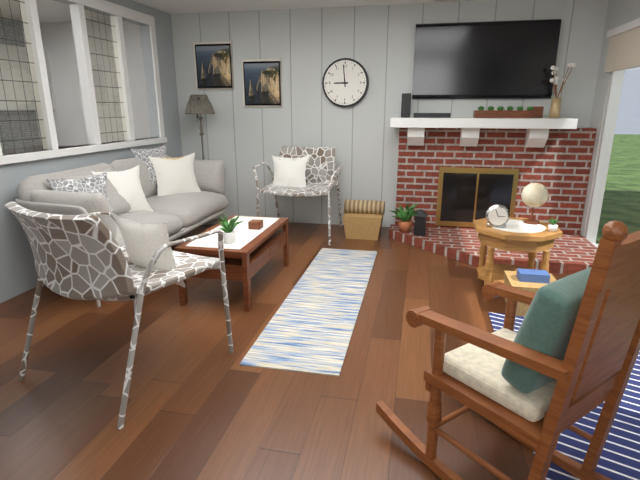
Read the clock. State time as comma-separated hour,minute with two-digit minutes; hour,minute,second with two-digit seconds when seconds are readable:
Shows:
8,59
